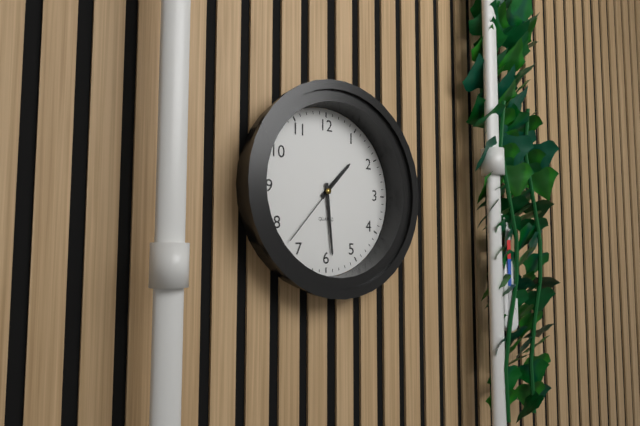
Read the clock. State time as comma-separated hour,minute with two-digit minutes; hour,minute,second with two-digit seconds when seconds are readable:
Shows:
1,29,37
